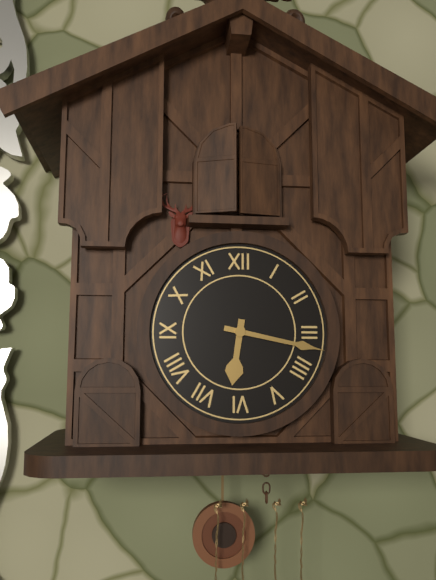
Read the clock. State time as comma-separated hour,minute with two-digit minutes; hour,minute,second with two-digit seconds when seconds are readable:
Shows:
6,17
